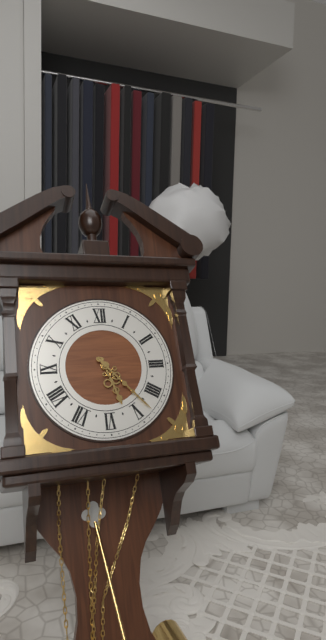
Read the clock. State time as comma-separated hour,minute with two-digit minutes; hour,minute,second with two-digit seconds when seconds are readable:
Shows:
5,23
